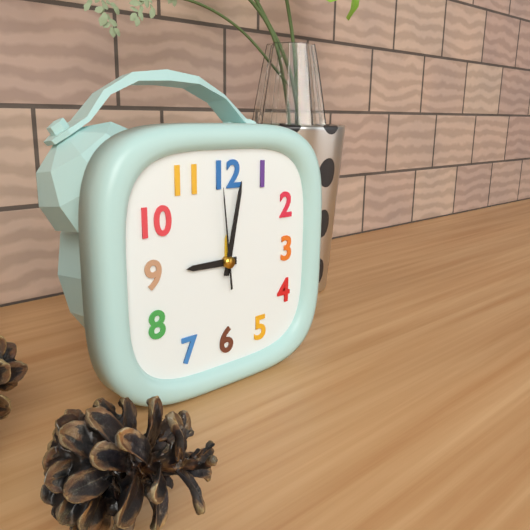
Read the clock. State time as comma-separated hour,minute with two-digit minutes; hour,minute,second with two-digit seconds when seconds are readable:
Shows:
9,02,59
